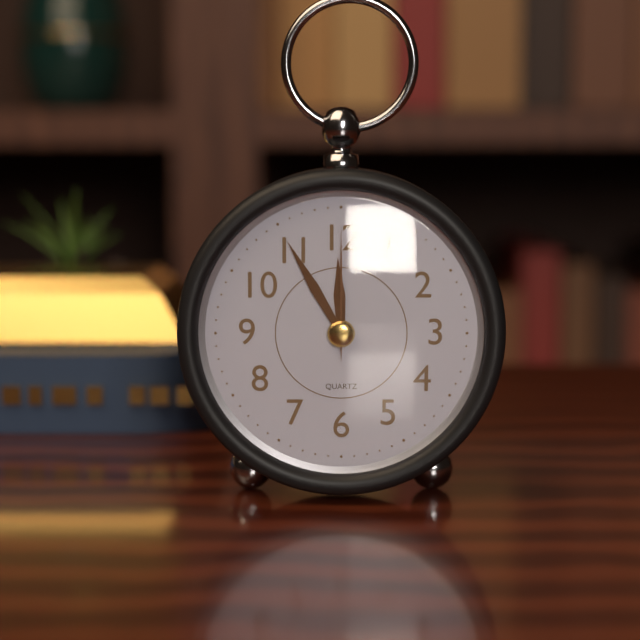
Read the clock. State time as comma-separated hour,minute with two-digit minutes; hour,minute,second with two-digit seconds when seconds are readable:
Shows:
11,55,00
